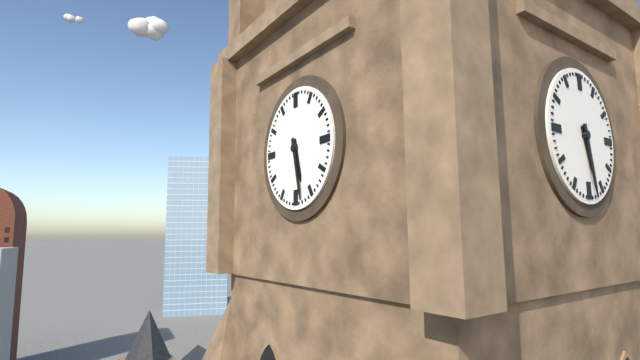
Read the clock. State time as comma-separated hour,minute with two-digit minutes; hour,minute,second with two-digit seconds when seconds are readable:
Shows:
5,28
